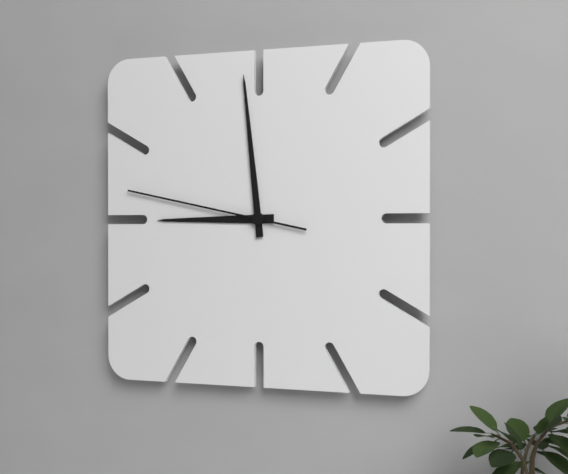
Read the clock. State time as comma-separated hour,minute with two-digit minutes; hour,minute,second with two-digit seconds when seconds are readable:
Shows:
8,59,47
